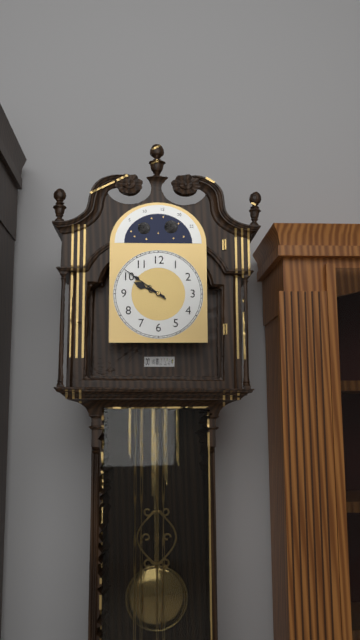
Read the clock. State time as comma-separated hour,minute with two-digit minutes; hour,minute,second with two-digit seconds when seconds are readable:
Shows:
9,51
